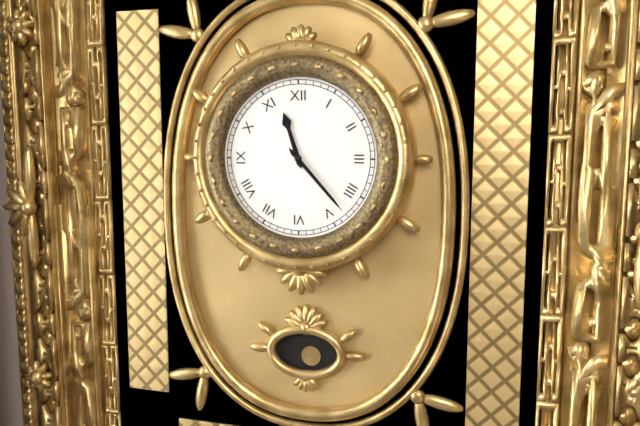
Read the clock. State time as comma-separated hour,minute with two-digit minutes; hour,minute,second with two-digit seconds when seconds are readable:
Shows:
11,23
